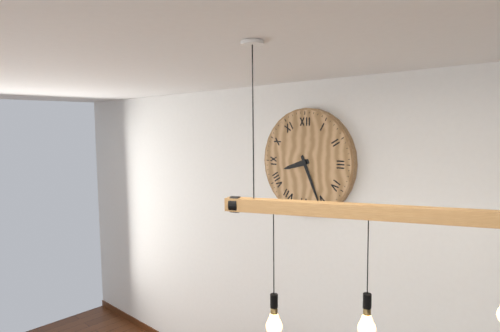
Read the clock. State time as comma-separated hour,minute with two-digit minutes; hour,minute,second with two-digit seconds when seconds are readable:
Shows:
8,26
